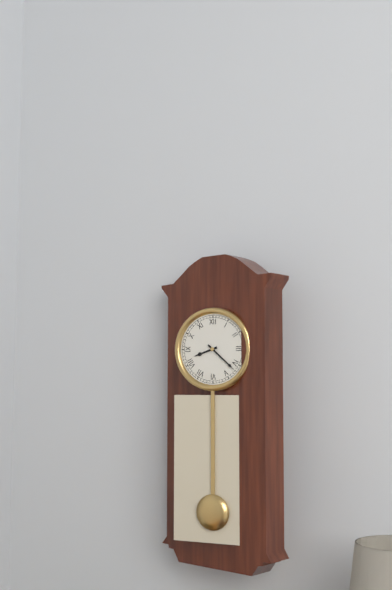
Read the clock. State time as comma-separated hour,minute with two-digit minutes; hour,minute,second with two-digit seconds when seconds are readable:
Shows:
8,22
